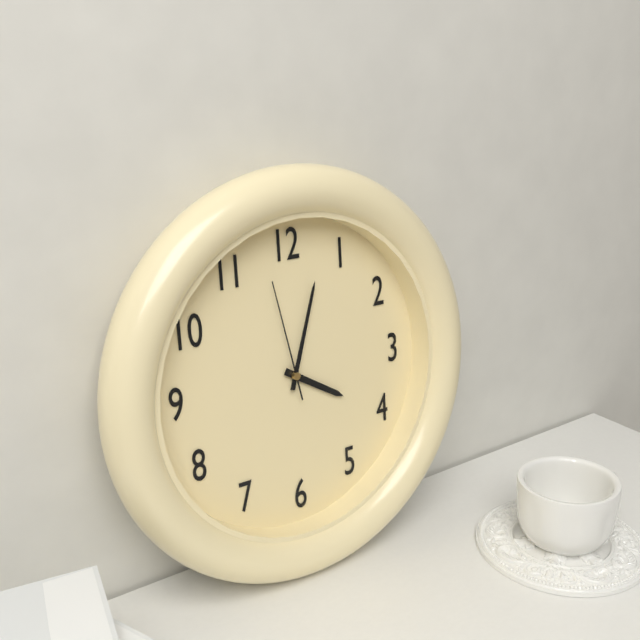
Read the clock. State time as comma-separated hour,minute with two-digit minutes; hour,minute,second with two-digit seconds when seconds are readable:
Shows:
4,03,58
